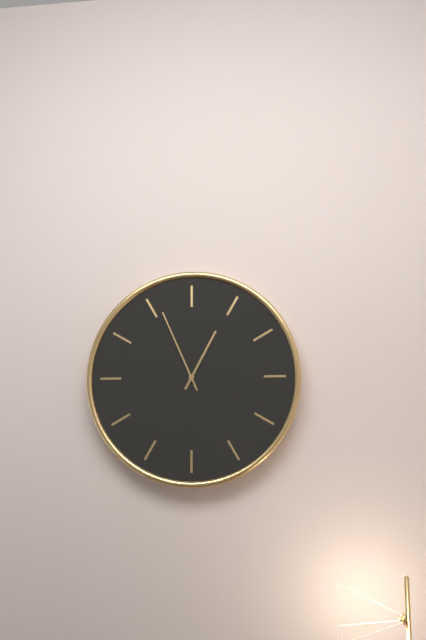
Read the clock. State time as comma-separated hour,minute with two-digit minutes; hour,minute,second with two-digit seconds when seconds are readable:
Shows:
12,56
